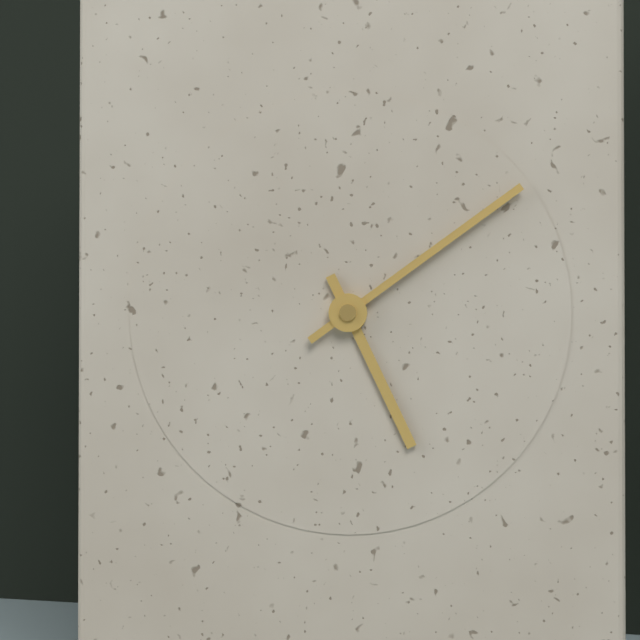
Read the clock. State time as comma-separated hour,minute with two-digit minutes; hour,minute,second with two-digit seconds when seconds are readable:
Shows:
5,09
